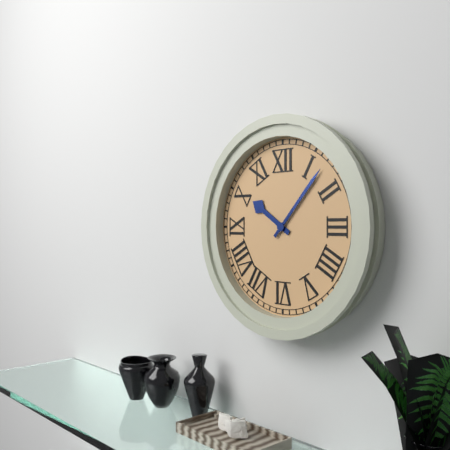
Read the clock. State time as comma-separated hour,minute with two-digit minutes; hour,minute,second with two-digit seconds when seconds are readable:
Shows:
10,07
